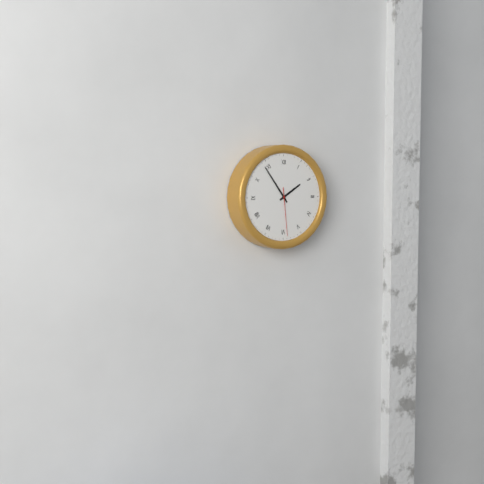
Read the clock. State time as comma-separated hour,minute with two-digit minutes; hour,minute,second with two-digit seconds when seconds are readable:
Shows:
1,54
